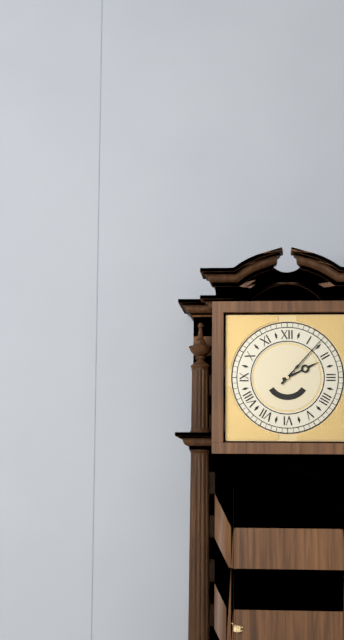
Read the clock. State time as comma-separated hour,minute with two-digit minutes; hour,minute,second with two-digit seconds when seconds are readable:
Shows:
2,07
